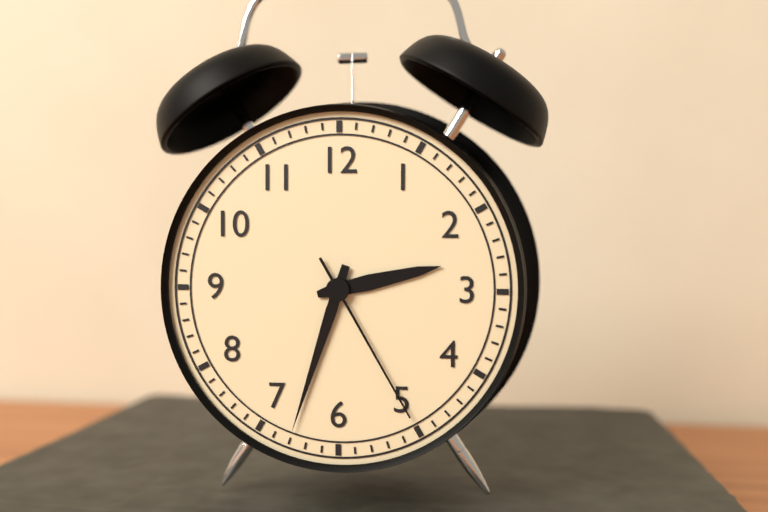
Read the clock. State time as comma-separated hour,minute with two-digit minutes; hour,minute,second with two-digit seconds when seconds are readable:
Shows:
2,33,25
